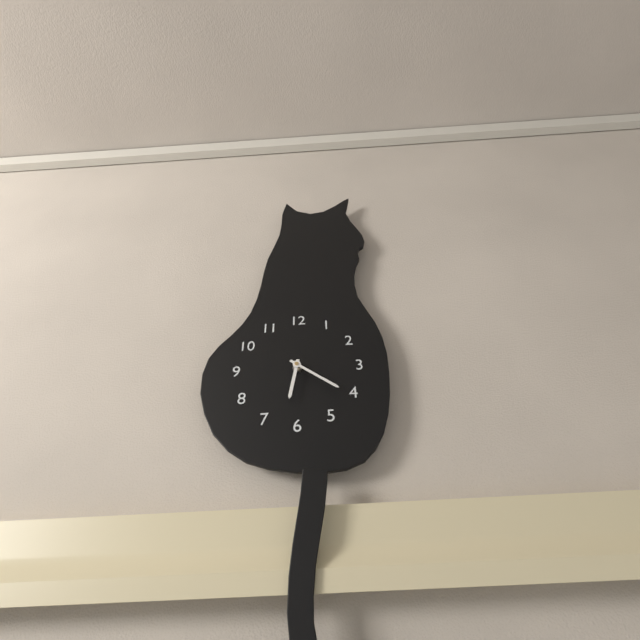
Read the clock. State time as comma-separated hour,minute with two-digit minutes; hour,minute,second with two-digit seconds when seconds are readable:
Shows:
6,21
